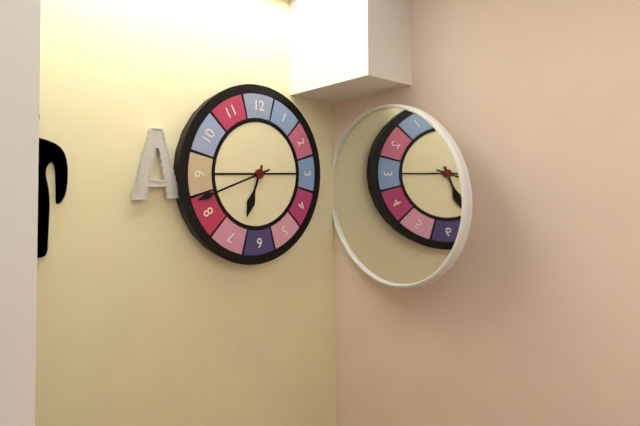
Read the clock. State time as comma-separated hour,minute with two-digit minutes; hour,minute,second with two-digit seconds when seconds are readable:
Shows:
6,42
